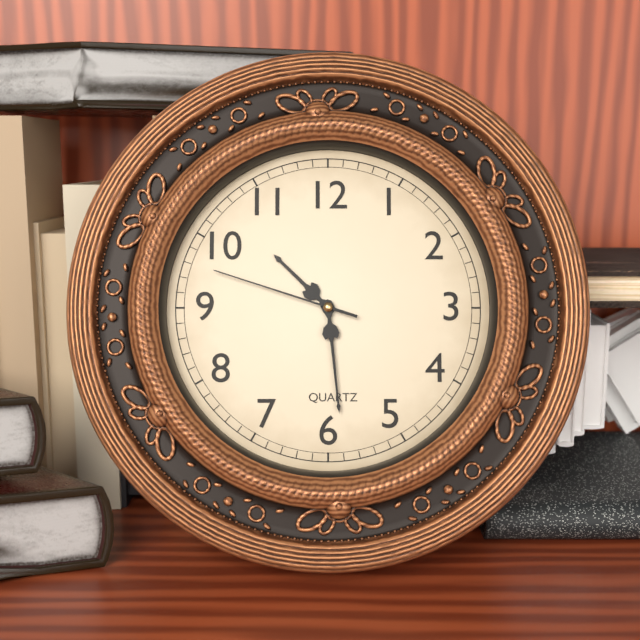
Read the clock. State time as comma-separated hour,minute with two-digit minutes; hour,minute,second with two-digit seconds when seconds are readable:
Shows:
10,29,48
